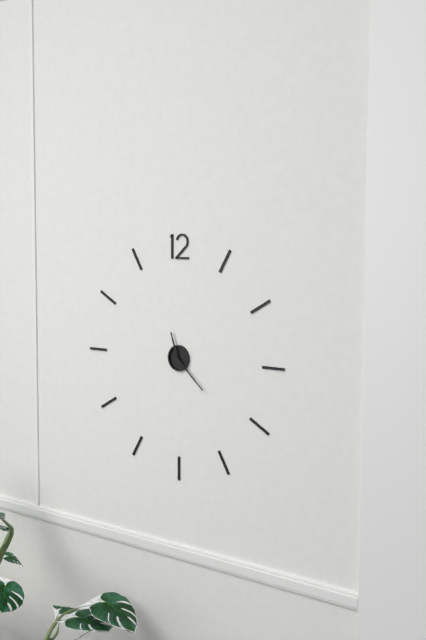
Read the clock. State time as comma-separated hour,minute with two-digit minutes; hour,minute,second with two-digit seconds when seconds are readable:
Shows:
11,22
